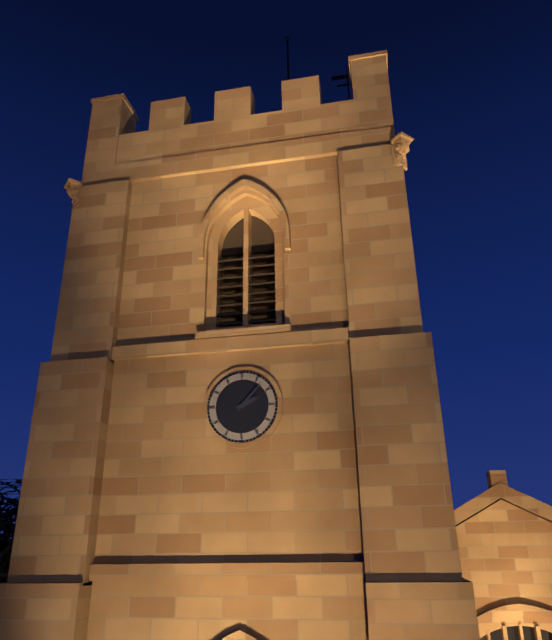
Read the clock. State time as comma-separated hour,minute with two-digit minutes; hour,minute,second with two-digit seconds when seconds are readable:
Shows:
2,07
